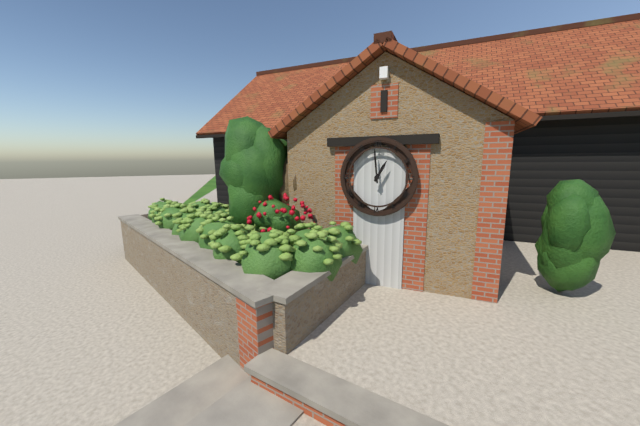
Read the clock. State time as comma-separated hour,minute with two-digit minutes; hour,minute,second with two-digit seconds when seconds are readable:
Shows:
12,59
